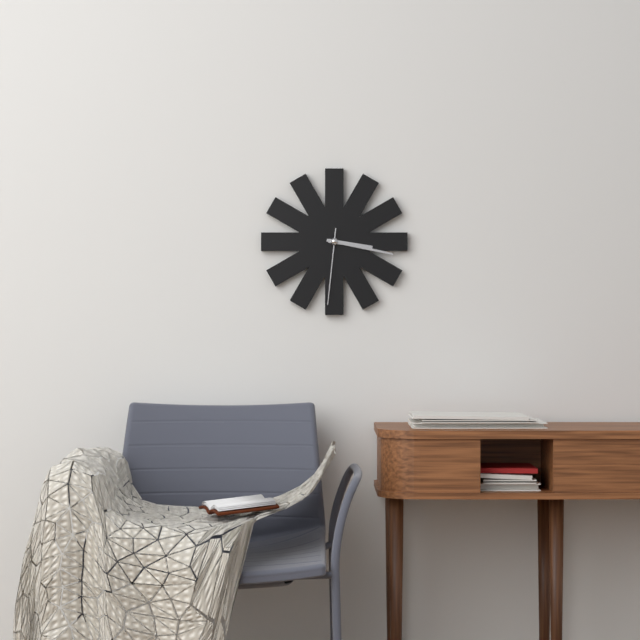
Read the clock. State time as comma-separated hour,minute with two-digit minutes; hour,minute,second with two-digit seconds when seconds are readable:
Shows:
3,17,31
